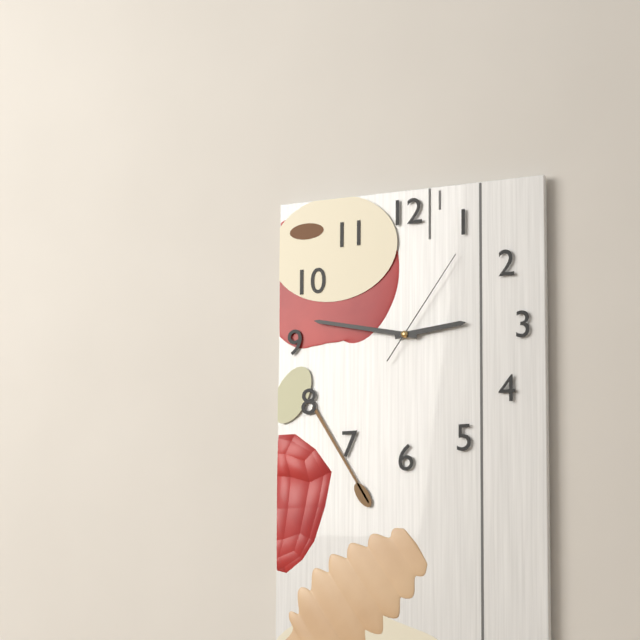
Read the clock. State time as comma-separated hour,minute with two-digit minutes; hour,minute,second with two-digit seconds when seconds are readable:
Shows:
2,47,06
